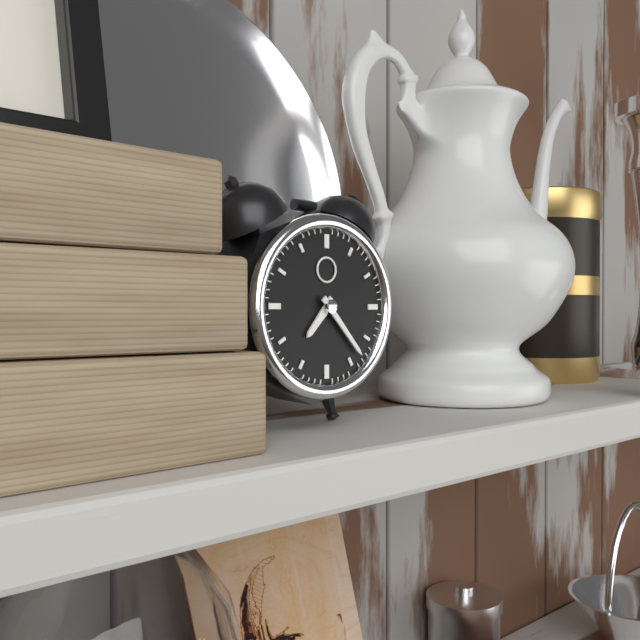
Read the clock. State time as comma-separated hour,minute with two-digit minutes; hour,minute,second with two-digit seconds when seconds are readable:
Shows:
7,23
